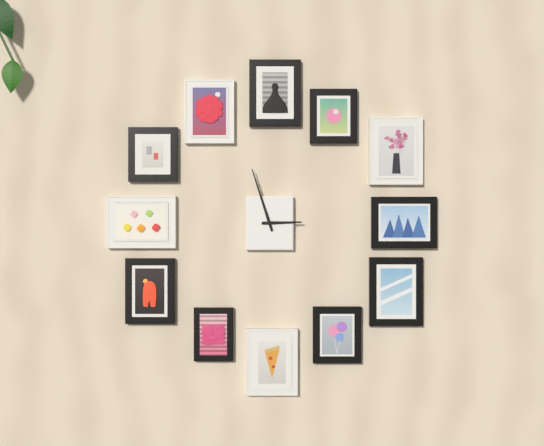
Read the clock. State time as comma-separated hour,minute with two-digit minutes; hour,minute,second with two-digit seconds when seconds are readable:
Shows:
2,57
